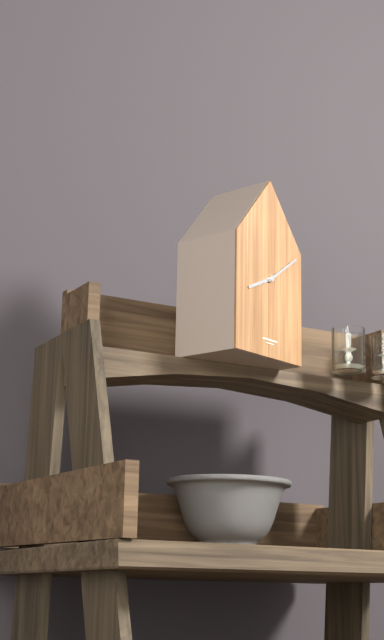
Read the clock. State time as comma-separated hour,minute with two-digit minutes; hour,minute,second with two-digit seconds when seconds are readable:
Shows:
8,09
